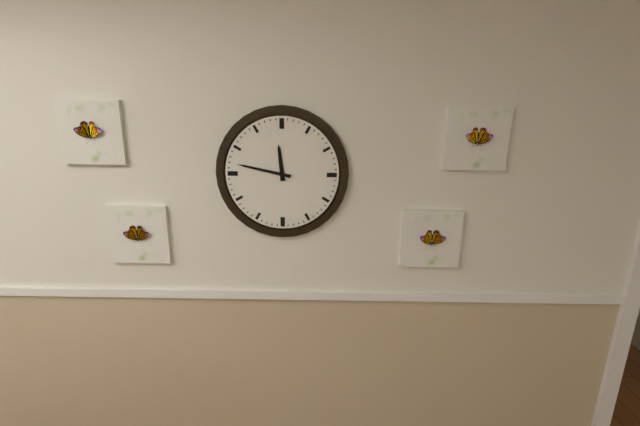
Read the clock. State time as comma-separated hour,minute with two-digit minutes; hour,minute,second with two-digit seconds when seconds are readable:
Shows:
11,47
